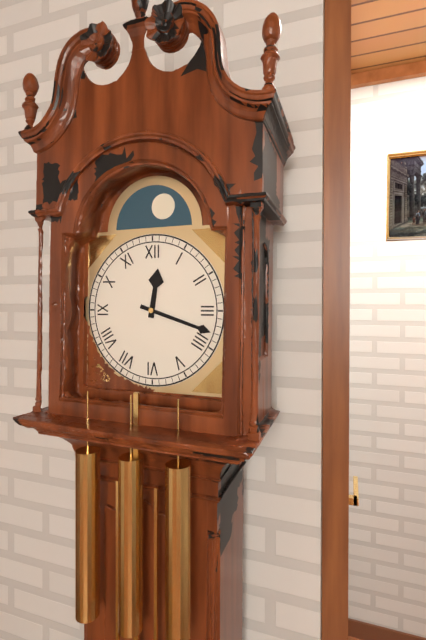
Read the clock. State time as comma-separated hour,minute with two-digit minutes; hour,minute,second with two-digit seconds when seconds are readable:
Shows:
12,18
